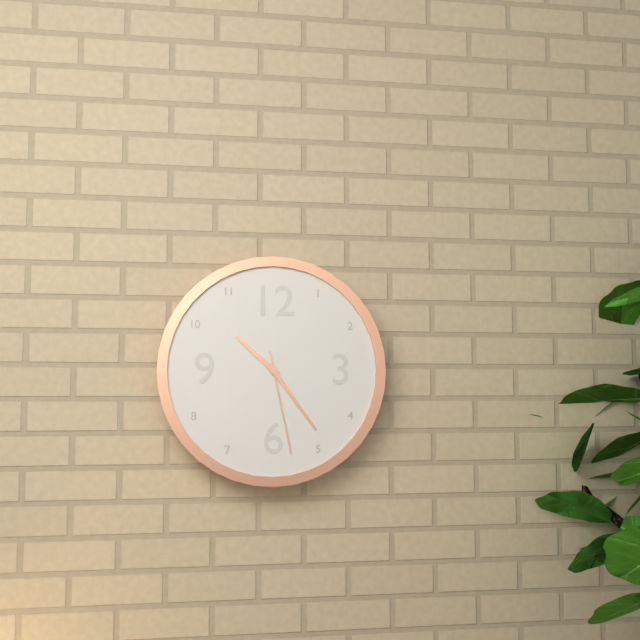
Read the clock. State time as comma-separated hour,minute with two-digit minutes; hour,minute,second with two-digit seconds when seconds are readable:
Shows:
10,24,28
